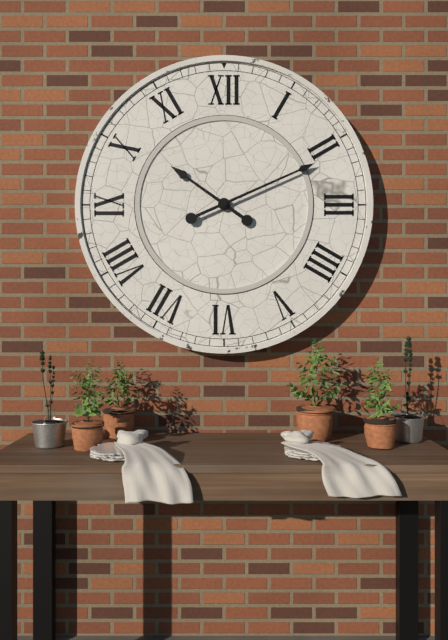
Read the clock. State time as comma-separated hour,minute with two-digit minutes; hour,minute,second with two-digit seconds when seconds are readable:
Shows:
10,11
